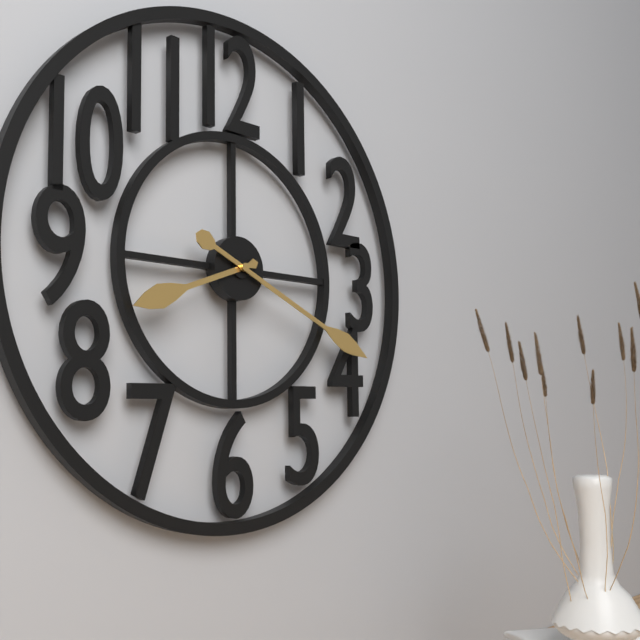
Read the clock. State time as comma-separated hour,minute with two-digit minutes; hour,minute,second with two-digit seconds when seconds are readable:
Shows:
8,19
